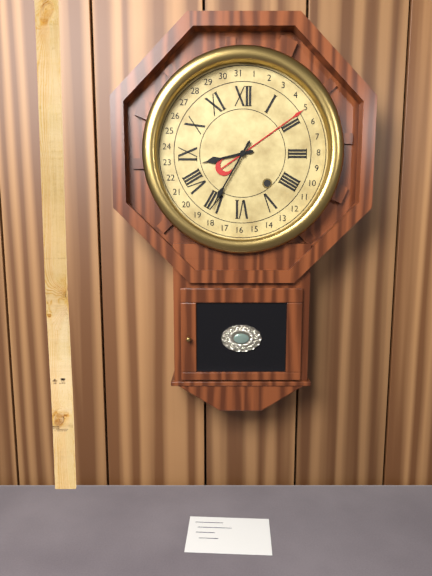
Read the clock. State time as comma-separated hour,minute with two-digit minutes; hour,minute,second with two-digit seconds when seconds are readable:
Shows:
8,35
